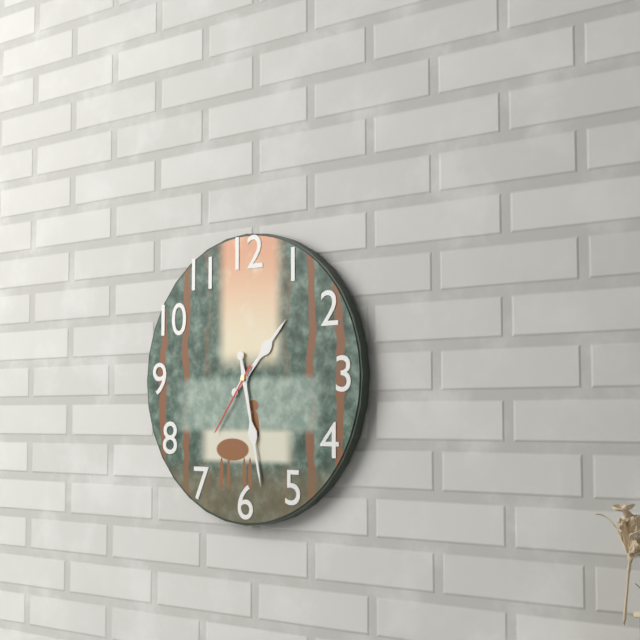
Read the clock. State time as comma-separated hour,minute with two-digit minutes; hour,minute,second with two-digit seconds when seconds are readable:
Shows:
1,28,36
